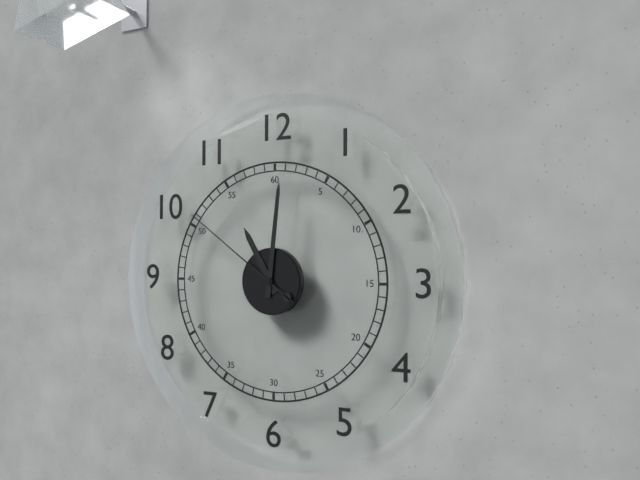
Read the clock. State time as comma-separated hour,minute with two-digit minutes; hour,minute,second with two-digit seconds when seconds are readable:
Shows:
11,01,51
